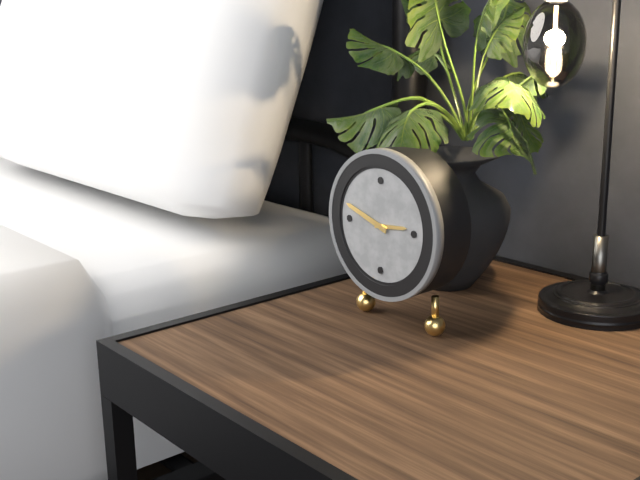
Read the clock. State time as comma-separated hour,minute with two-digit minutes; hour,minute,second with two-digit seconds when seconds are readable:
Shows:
2,48
